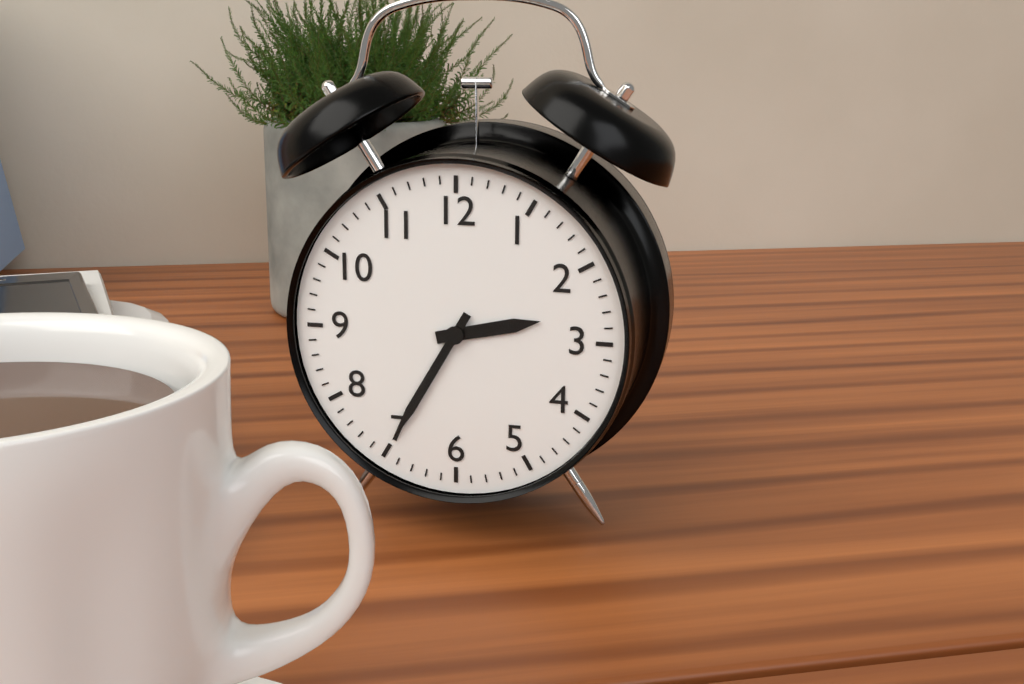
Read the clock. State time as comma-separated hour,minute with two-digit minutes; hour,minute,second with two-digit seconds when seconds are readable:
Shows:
2,35
